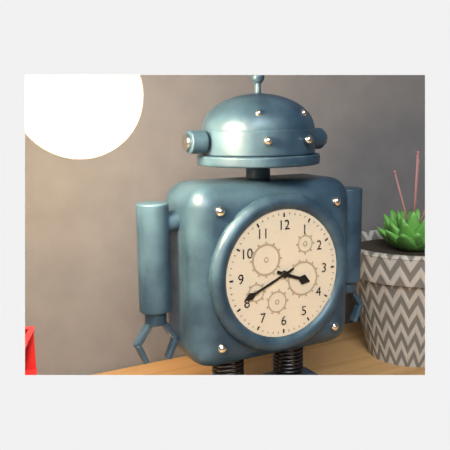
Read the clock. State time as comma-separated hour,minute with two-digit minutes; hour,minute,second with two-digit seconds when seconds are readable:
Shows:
3,41
